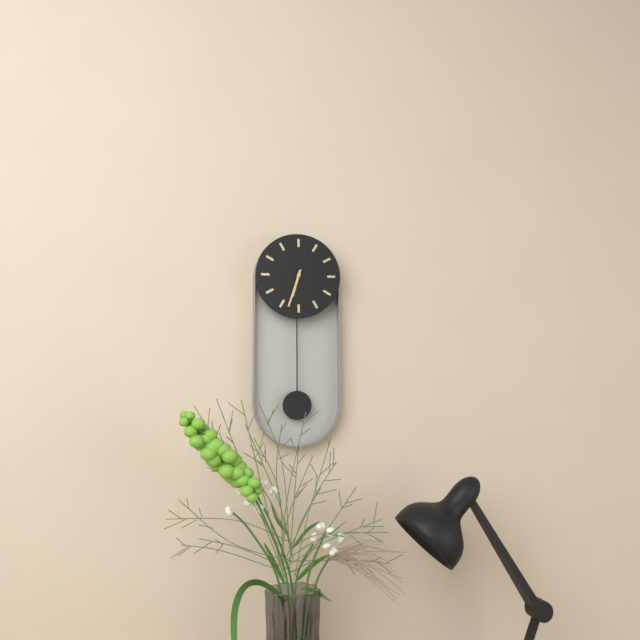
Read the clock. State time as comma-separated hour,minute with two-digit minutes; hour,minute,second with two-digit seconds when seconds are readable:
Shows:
6,33
